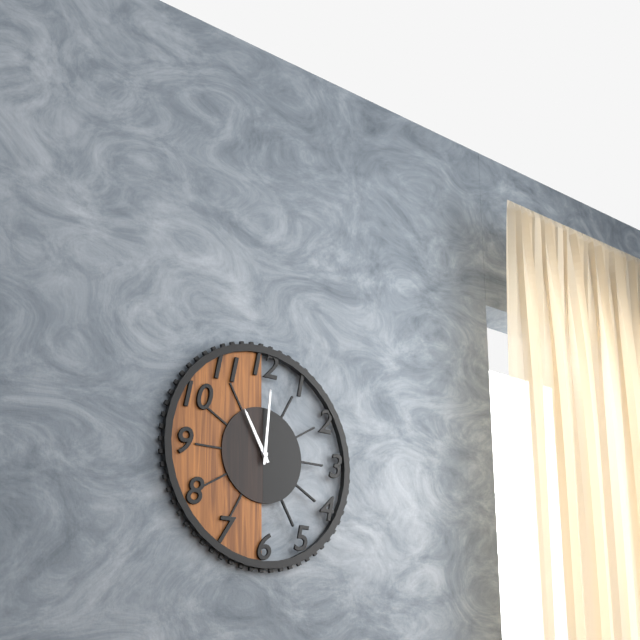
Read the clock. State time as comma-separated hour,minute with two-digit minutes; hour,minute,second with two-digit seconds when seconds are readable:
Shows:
11,01
